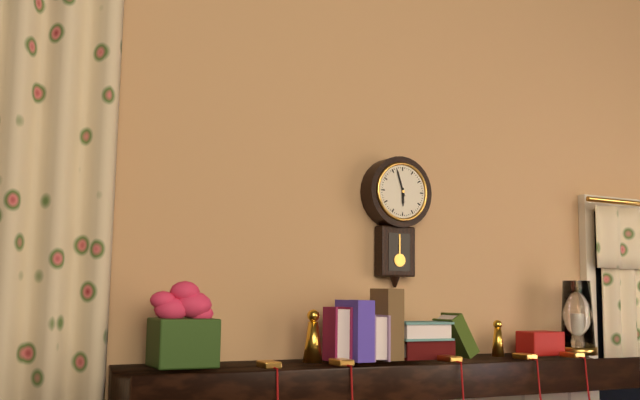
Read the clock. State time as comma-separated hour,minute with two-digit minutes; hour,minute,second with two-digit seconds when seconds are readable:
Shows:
5,57
